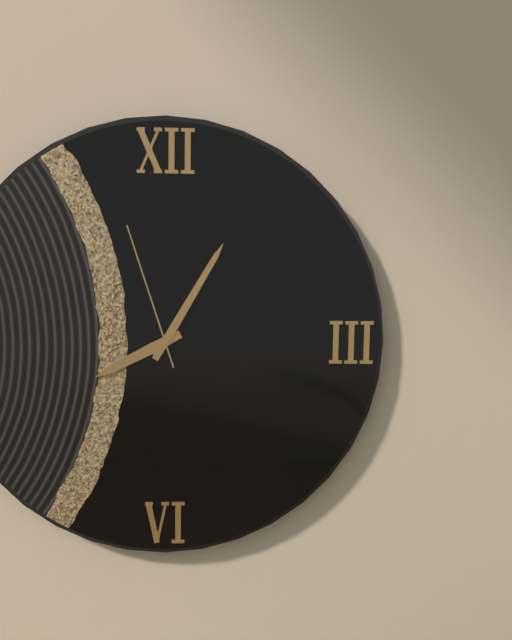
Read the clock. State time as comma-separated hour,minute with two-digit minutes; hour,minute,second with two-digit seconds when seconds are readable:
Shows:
8,05,57
